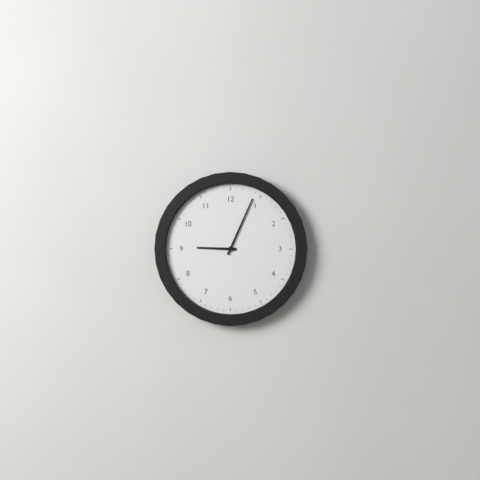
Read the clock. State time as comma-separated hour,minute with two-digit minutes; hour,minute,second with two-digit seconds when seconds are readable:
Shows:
9,04
